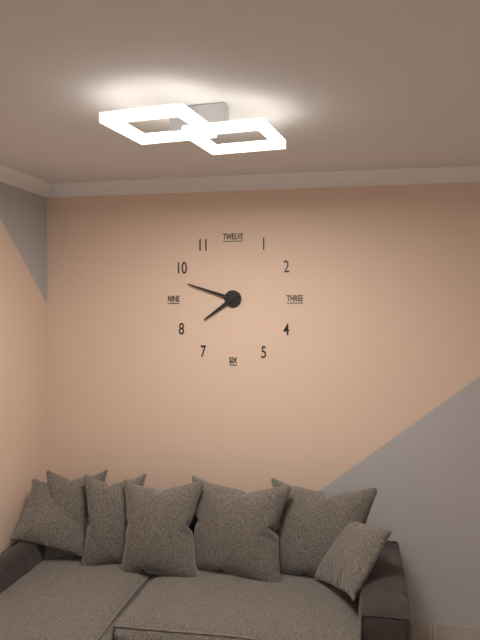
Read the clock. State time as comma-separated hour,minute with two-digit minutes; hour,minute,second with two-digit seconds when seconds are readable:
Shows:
7,48
